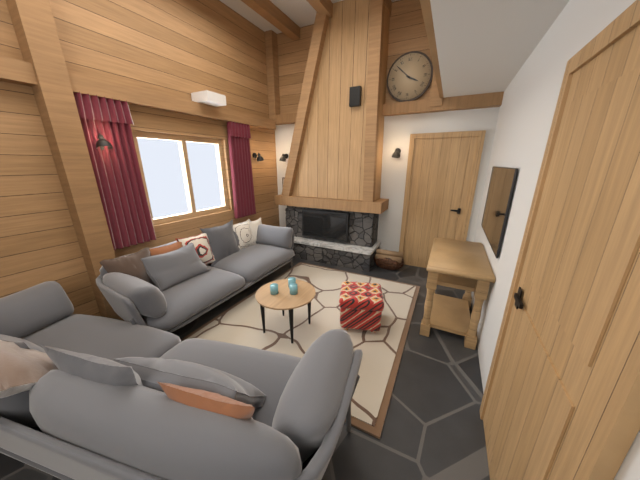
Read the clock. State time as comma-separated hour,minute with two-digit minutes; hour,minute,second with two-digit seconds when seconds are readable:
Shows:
3,52
